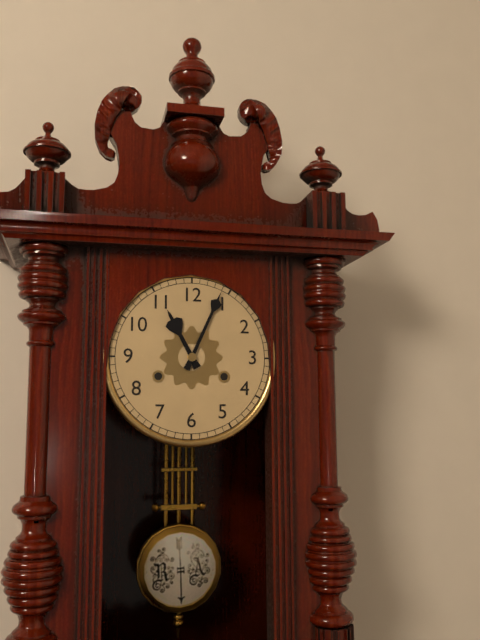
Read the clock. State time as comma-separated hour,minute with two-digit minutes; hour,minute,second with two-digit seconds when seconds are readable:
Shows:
11,04
